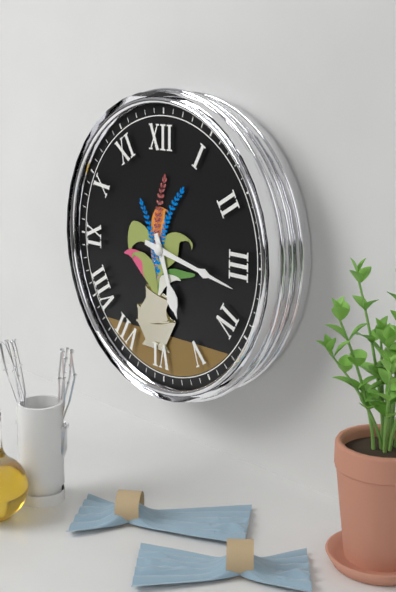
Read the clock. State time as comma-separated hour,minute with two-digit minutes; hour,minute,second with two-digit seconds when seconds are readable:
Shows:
5,17
